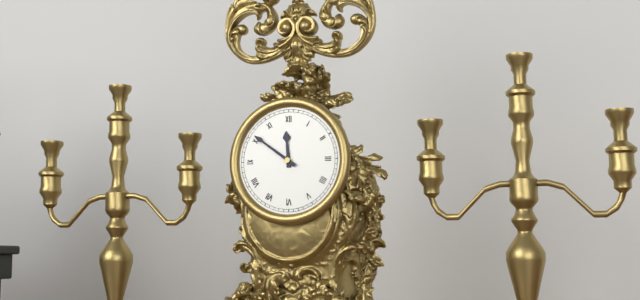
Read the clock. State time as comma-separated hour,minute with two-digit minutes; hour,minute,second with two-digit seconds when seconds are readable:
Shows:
11,51
